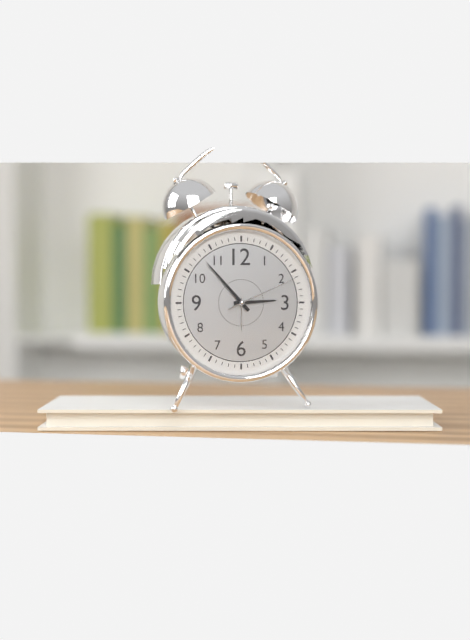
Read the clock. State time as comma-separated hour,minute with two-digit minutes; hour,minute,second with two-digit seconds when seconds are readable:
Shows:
2,53,11
